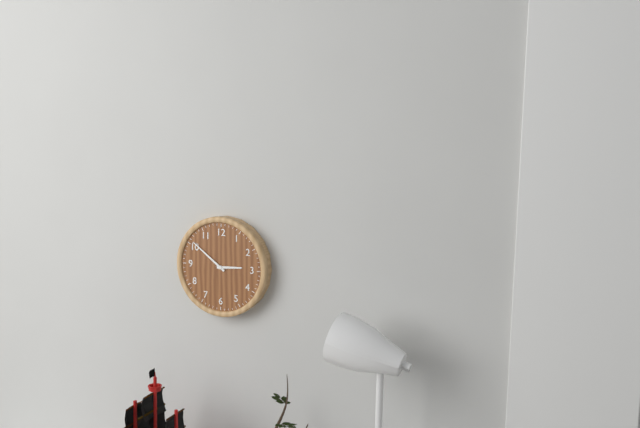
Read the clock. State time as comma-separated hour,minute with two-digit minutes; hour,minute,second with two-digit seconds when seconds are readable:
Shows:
2,51
